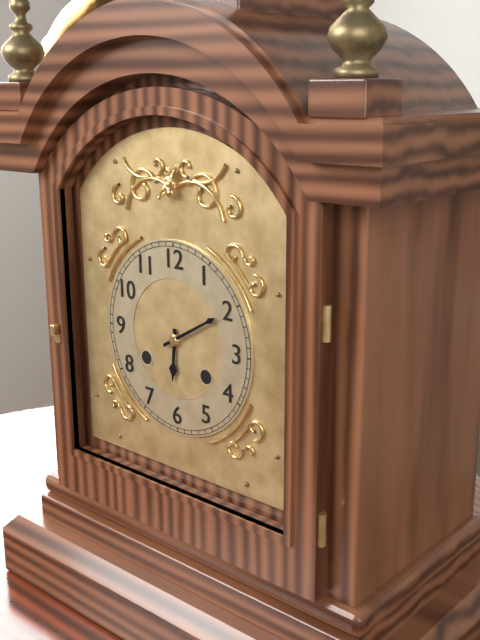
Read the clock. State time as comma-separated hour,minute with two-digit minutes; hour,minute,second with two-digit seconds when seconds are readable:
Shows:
6,10
